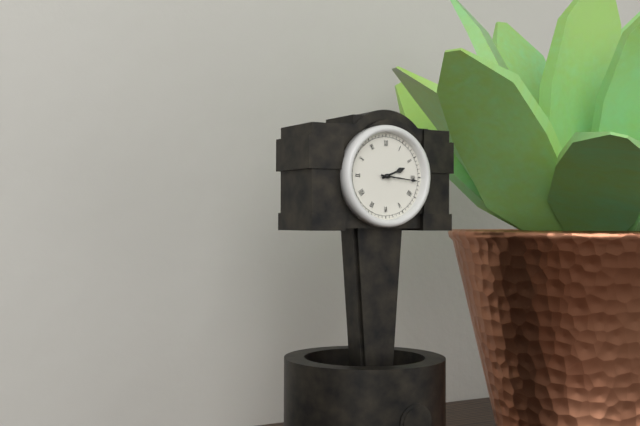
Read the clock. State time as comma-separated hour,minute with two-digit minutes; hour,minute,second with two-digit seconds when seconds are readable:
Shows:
2,16
